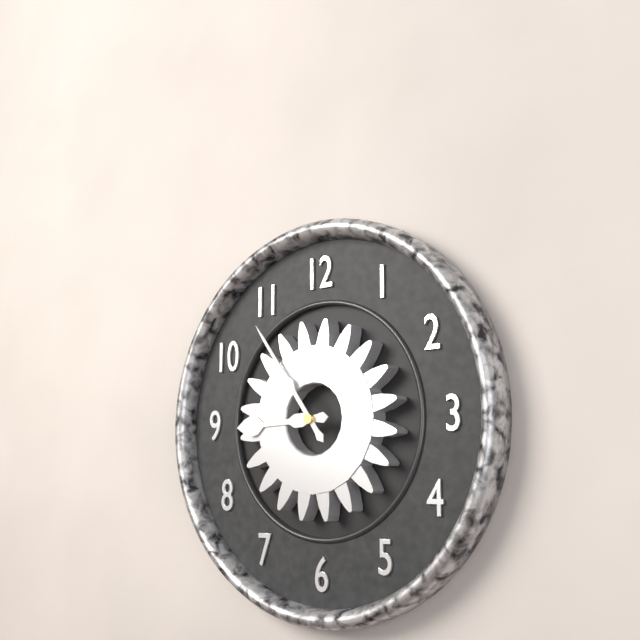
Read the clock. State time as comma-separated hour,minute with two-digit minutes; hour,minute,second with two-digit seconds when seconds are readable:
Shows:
8,54
